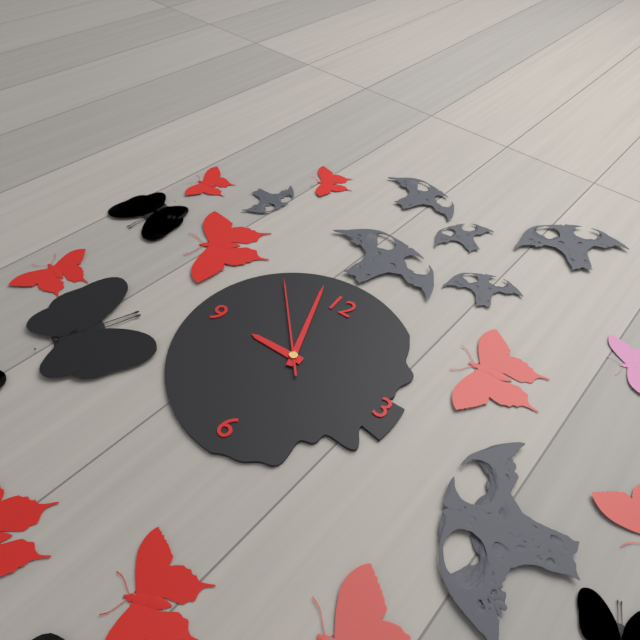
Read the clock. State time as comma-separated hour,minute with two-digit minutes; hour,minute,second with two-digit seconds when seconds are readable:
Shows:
8,57,53
